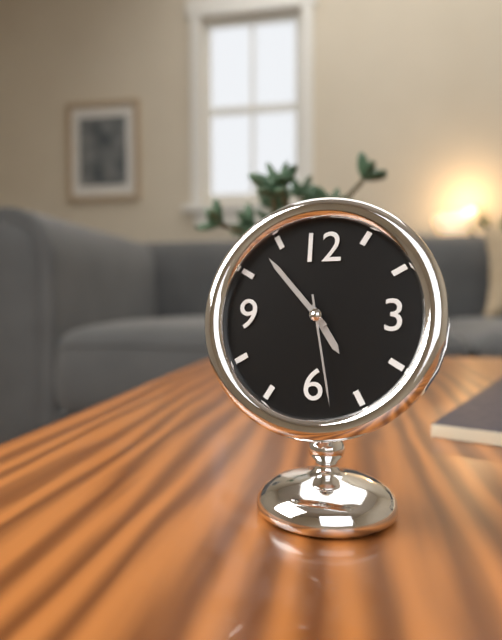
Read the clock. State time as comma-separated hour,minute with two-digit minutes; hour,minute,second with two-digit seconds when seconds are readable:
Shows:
4,53,28
